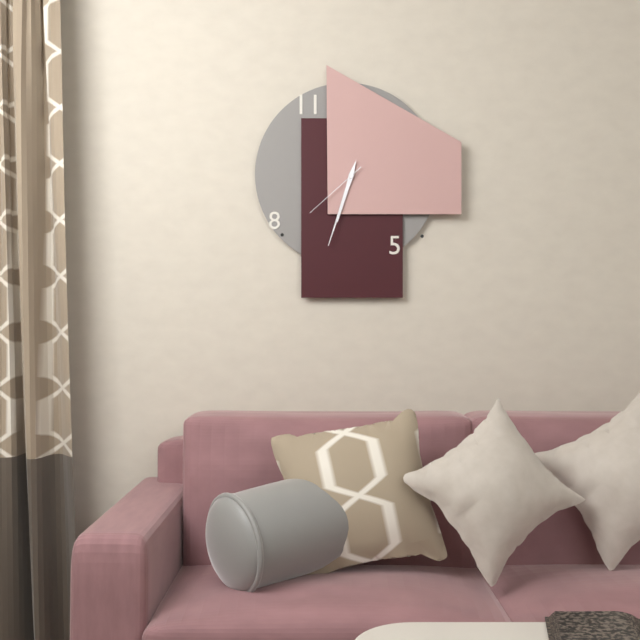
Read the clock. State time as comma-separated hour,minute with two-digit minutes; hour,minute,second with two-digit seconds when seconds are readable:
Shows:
6,33,38
